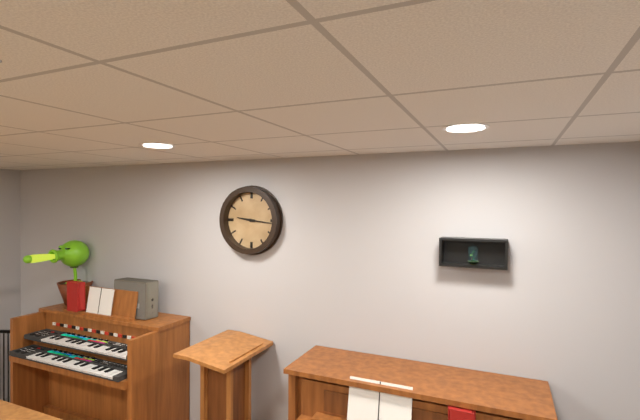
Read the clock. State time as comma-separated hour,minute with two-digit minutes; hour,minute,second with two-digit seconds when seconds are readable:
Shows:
9,16
